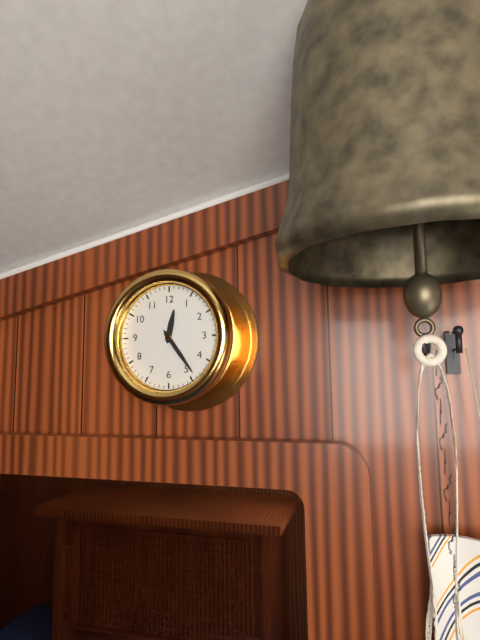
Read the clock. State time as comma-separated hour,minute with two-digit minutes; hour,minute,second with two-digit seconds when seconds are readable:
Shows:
12,24
